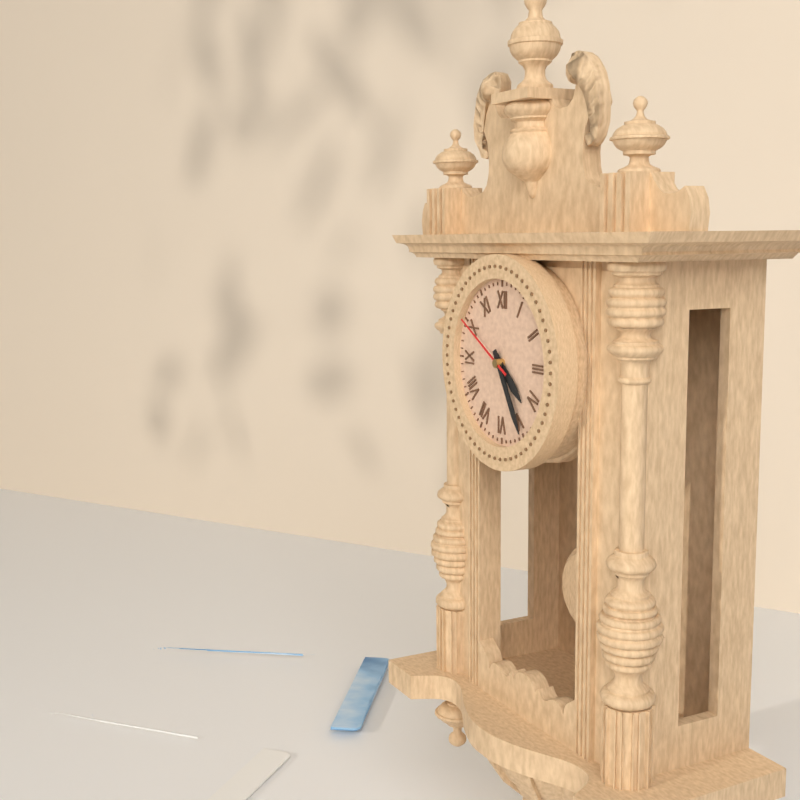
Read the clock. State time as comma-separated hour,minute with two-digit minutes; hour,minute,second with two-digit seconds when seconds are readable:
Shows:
4,25,50
